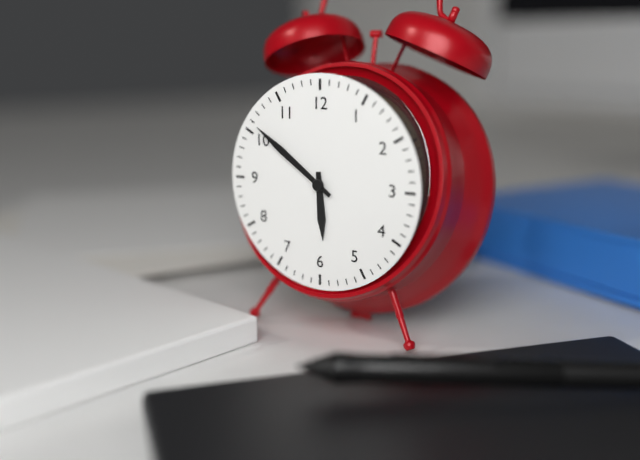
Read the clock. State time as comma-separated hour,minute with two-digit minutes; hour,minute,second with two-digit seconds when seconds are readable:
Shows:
5,51
